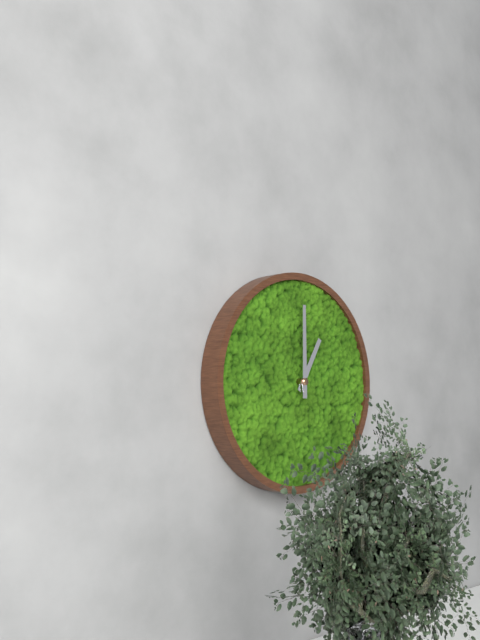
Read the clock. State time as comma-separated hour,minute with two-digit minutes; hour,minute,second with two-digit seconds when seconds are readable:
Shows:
1,00
